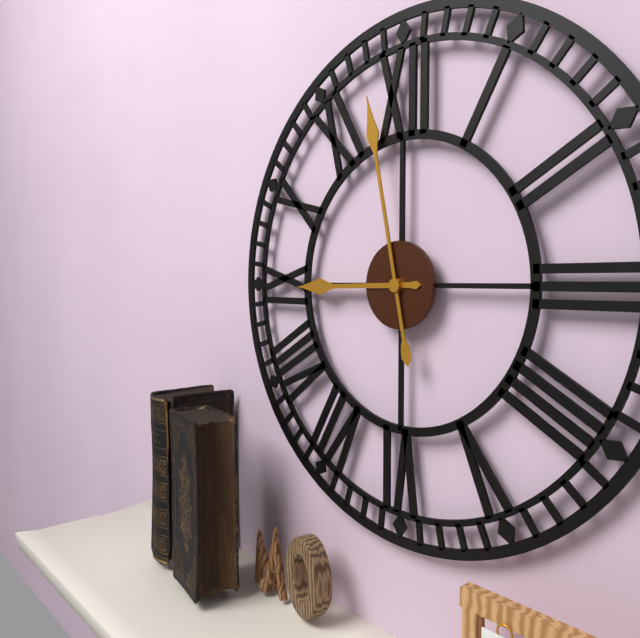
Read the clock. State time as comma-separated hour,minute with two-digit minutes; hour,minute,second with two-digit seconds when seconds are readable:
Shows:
8,58
